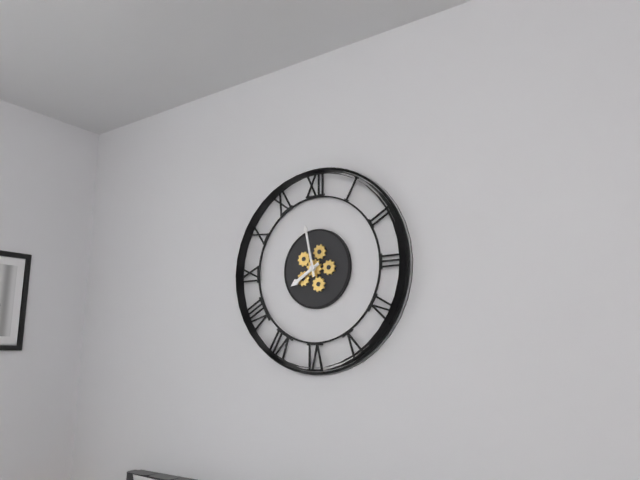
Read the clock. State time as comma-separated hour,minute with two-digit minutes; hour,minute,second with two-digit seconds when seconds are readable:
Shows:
7,58
